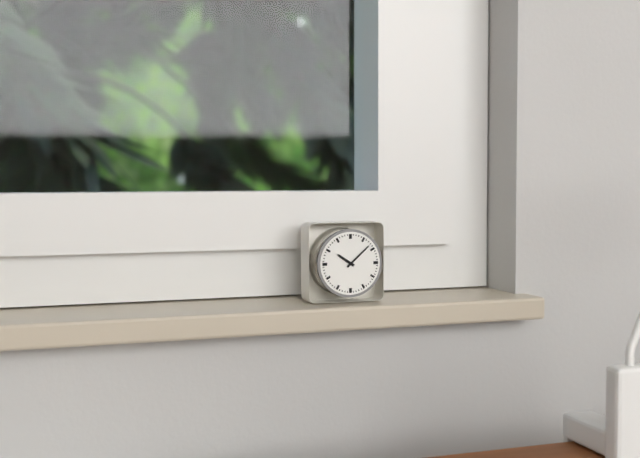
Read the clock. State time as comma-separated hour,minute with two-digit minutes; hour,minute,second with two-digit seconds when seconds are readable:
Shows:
10,08
